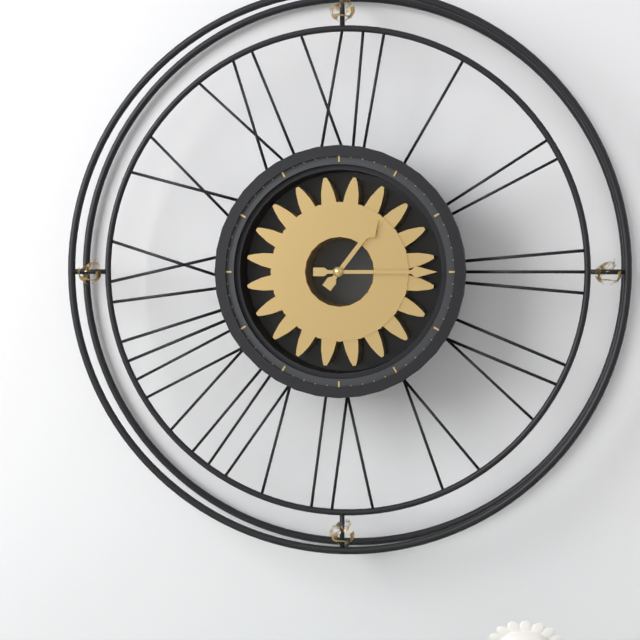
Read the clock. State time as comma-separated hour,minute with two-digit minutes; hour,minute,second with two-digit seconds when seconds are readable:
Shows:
1,15
